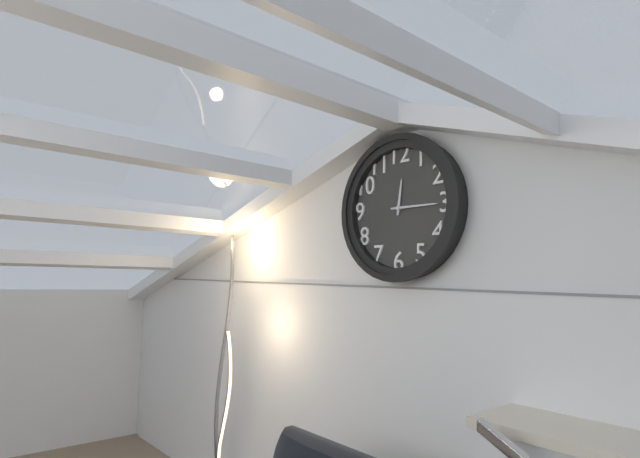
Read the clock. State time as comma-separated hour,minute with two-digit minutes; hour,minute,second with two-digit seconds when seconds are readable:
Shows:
12,15
